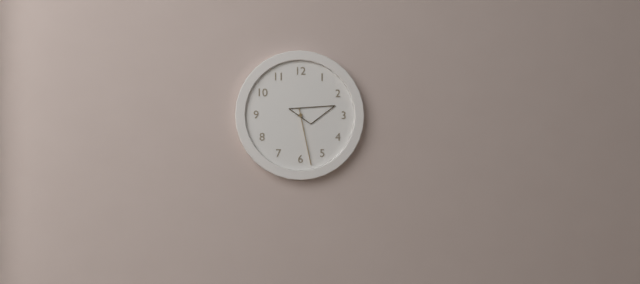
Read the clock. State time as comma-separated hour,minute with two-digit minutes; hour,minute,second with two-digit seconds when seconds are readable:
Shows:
2,28
